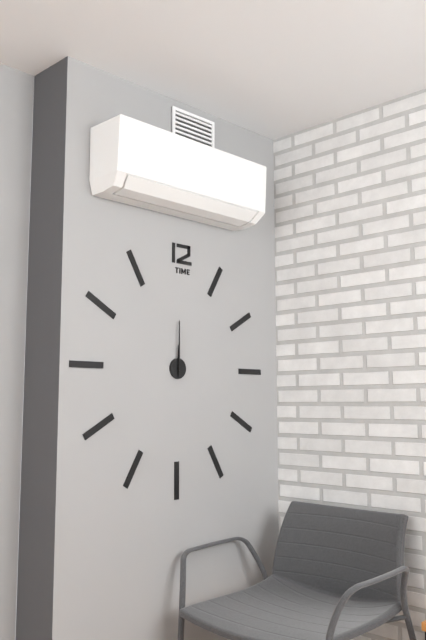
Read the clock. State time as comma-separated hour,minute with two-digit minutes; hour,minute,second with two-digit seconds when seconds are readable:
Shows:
12,00
